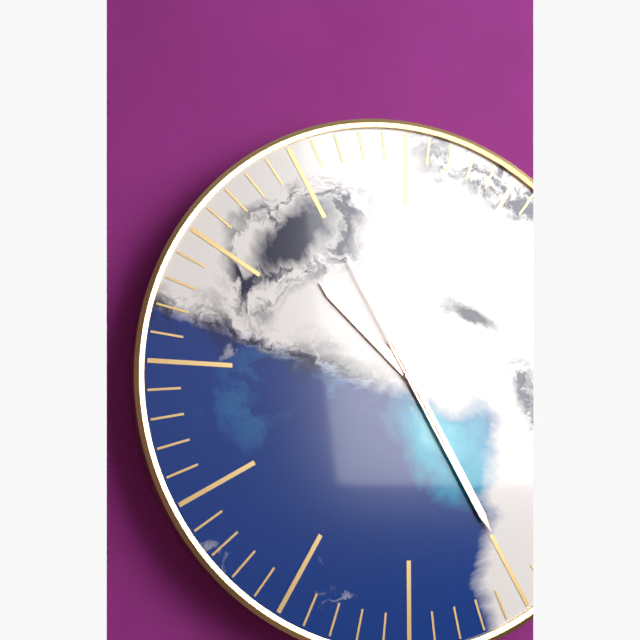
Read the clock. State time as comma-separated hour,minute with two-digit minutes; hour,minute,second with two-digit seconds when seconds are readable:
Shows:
10,25,55
